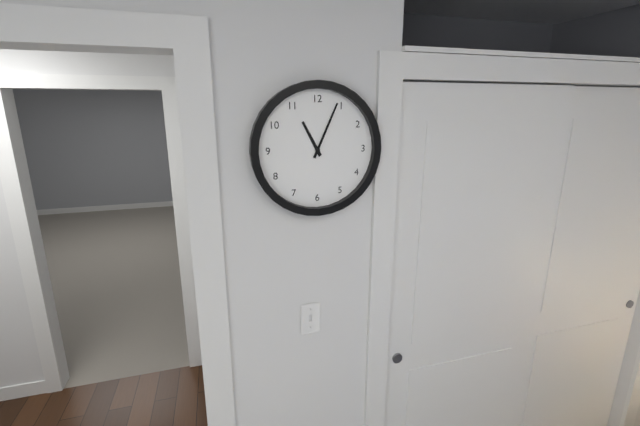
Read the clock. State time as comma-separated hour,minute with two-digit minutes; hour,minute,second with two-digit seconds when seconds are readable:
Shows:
11,04
